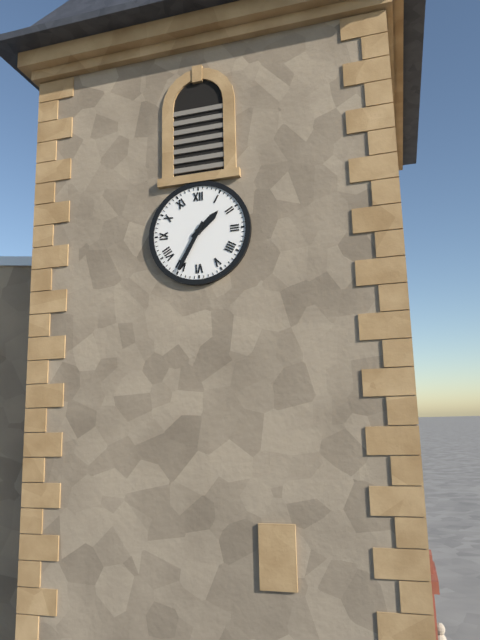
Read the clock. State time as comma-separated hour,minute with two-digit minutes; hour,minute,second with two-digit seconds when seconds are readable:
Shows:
1,35
